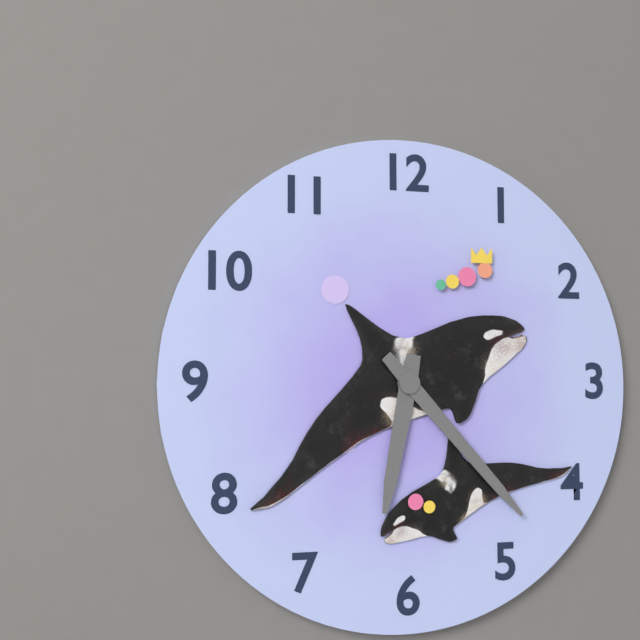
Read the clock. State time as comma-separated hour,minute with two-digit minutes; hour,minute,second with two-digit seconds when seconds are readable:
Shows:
6,23
